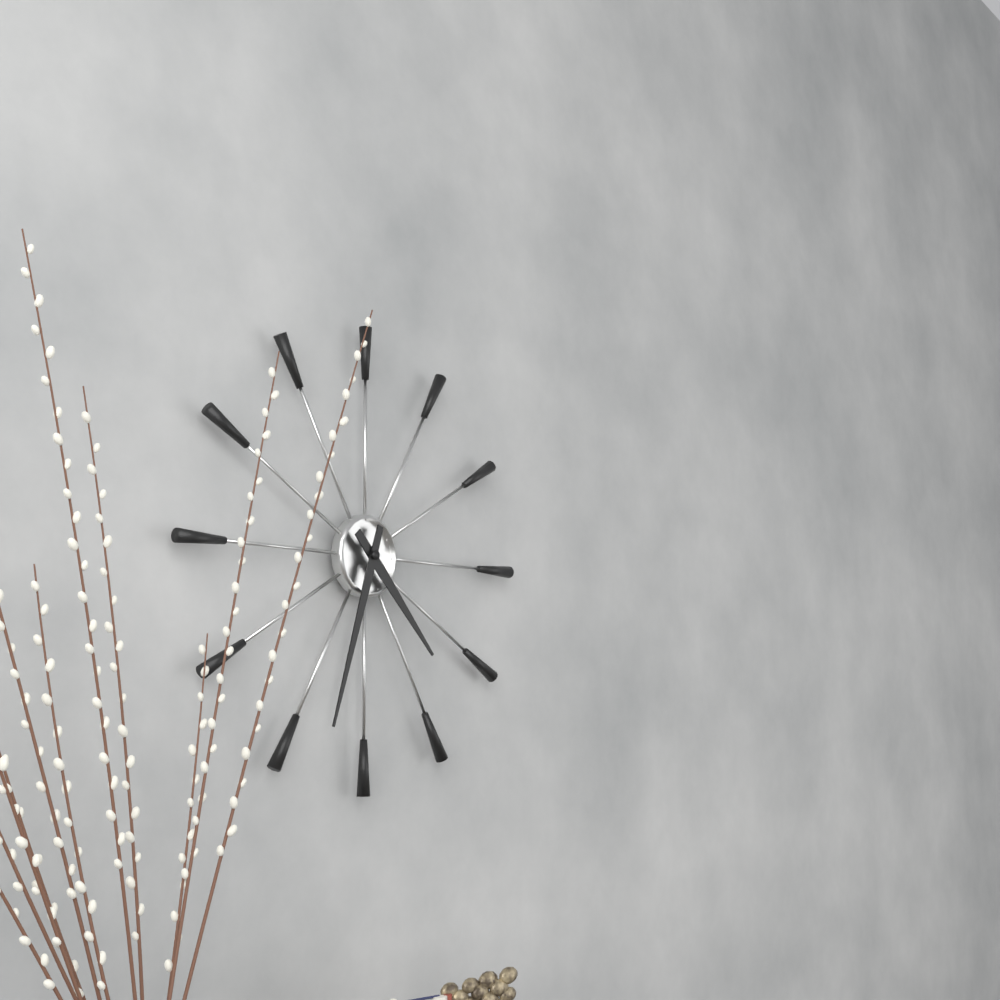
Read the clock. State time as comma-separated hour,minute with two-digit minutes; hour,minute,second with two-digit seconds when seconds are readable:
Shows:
4,33
